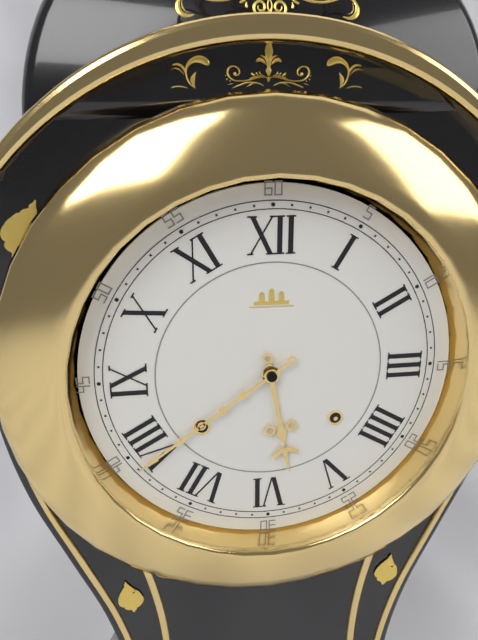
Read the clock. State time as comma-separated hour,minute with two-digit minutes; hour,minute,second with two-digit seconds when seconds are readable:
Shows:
5,39
